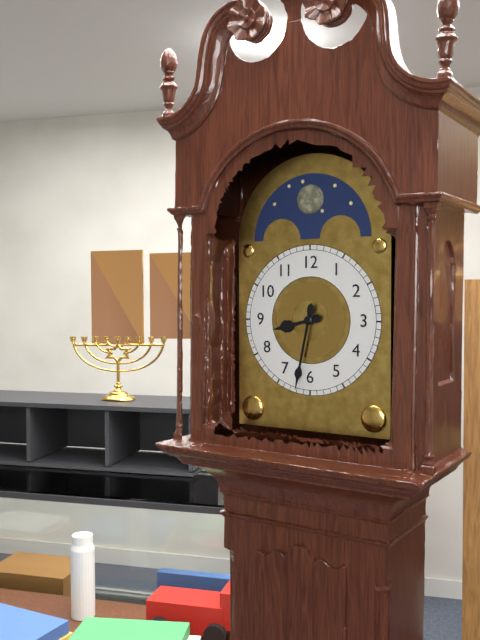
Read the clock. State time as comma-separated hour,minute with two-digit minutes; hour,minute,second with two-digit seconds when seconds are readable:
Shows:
8,32
